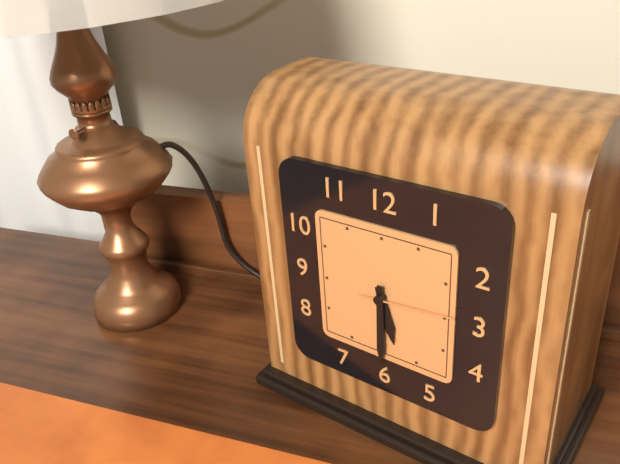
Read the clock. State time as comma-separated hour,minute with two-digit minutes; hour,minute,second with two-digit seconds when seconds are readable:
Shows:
5,30,14
